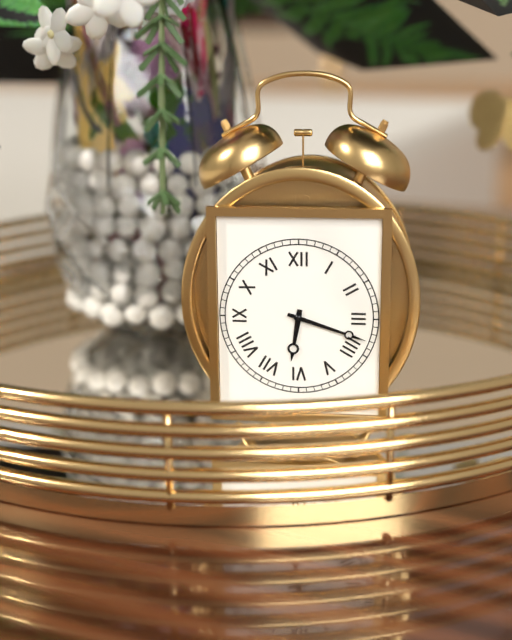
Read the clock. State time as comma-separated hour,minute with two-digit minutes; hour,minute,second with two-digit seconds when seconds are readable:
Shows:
6,18
